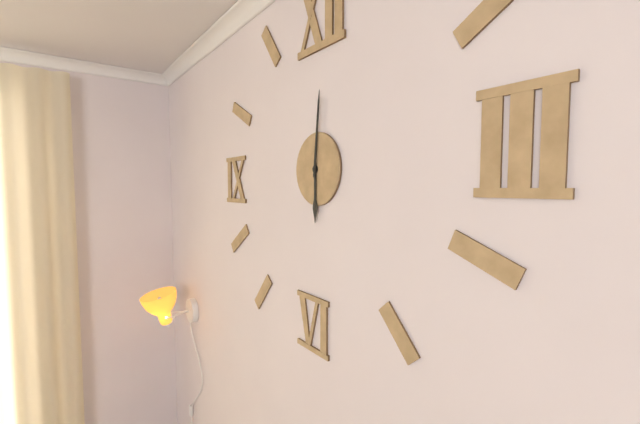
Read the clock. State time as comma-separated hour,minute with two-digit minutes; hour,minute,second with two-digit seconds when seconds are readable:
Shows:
6,01
